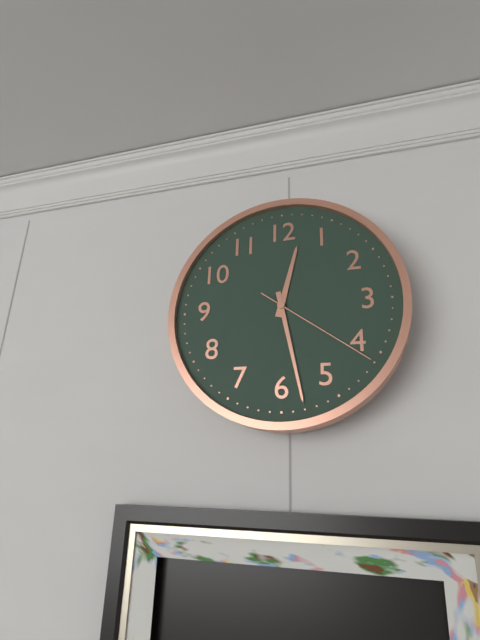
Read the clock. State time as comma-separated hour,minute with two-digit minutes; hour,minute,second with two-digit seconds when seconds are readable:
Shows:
12,28,21
